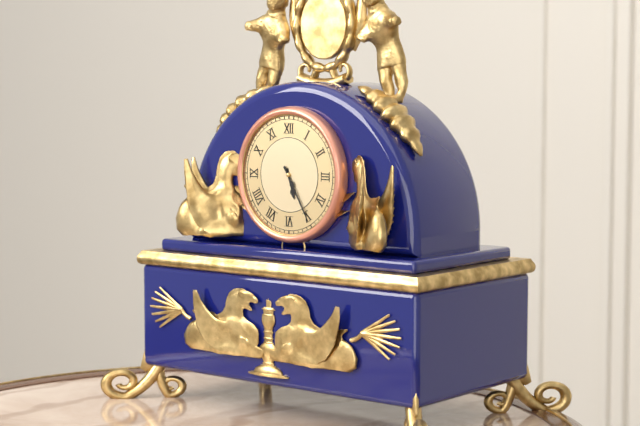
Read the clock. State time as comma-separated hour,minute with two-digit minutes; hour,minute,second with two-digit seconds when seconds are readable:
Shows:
5,25
